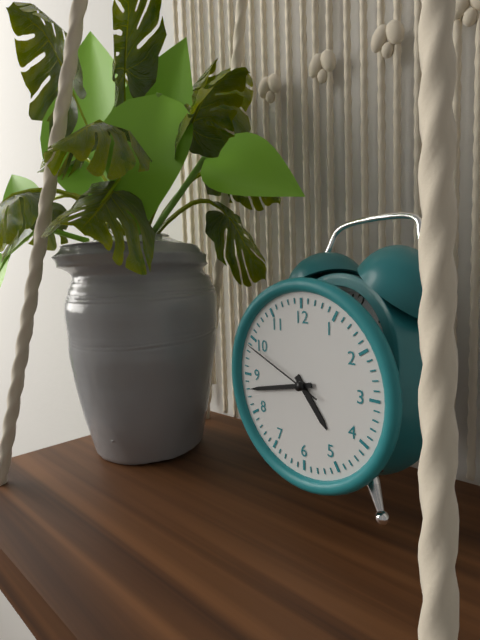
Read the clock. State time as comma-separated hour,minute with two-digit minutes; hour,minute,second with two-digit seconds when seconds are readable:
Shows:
4,43,49
